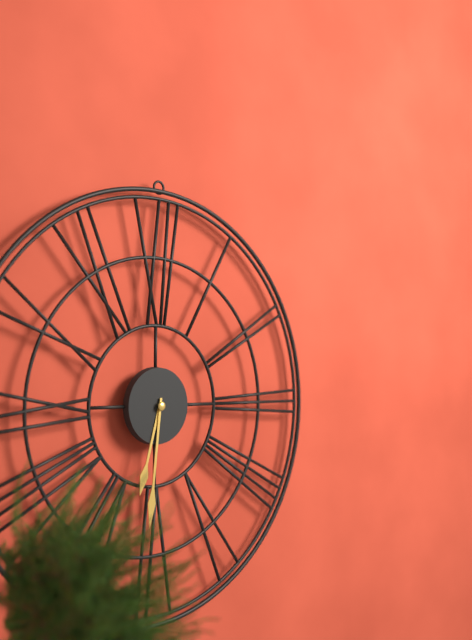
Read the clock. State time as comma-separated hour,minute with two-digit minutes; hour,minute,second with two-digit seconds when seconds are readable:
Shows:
6,31
